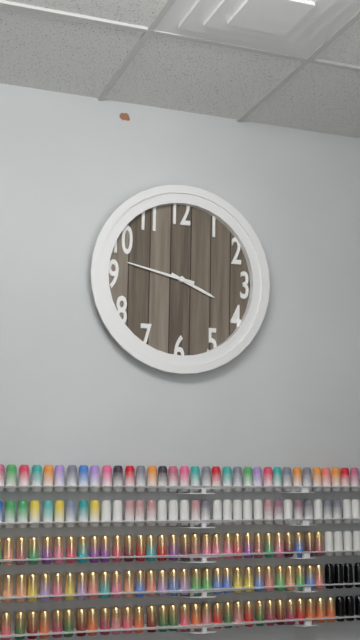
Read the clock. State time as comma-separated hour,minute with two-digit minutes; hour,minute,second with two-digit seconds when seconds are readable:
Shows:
3,47
